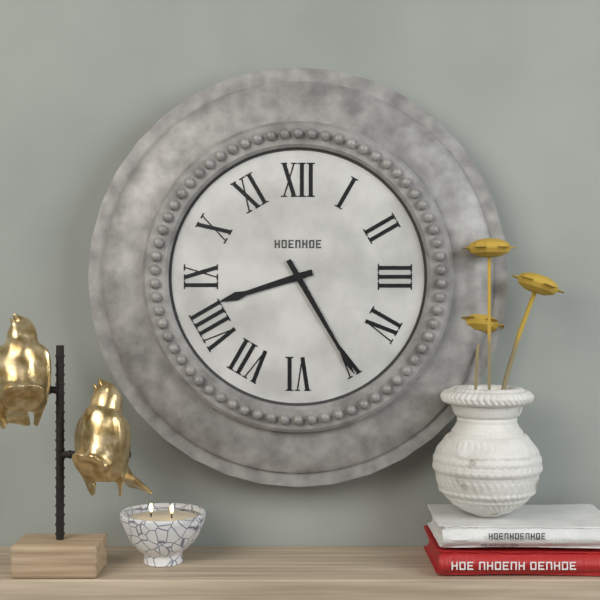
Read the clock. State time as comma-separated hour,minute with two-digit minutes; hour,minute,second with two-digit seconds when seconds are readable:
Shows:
8,25
